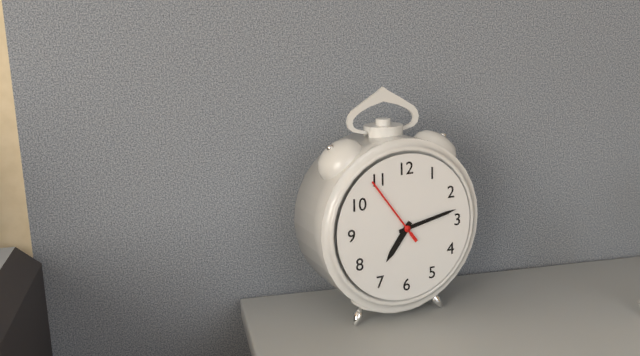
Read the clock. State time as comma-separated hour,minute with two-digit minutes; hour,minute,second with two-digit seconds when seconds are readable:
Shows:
7,13,54
